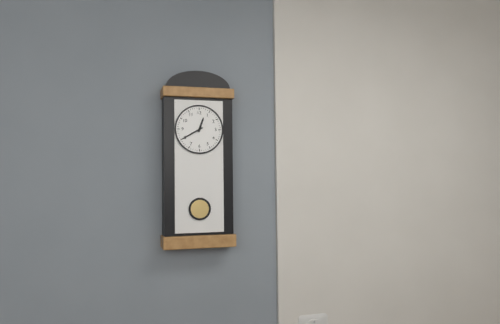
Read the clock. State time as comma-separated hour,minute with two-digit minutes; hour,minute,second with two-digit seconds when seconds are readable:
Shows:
12,40
